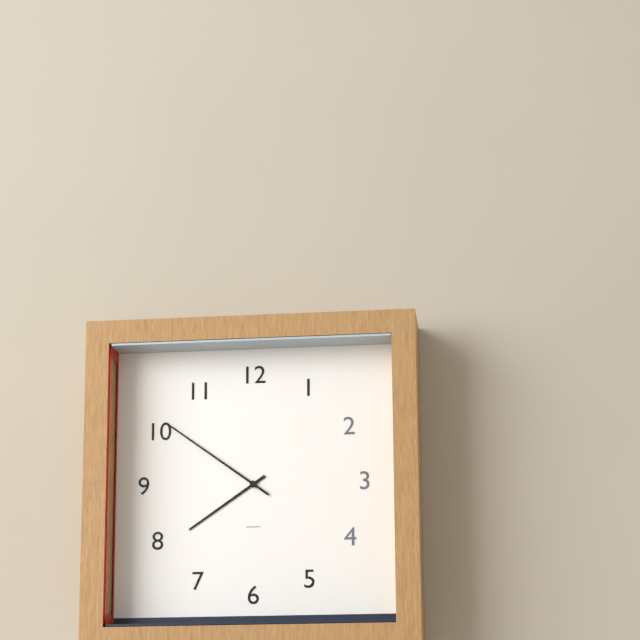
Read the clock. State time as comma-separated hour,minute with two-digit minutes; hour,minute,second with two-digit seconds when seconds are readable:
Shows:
7,51
